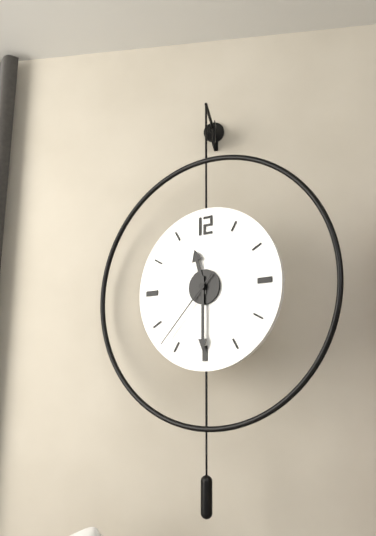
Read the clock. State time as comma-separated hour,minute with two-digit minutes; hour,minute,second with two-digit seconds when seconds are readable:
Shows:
11,30,37
